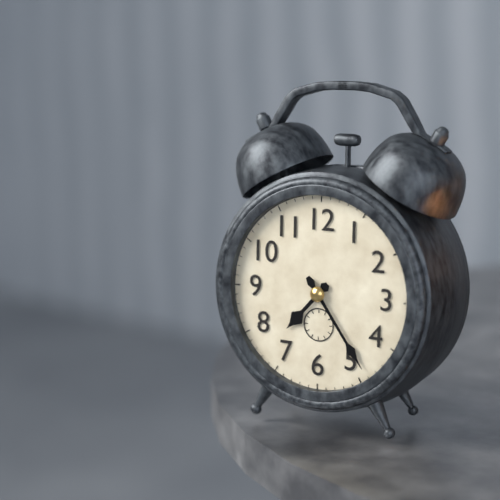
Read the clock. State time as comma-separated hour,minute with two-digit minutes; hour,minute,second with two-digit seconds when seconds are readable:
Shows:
7,24
